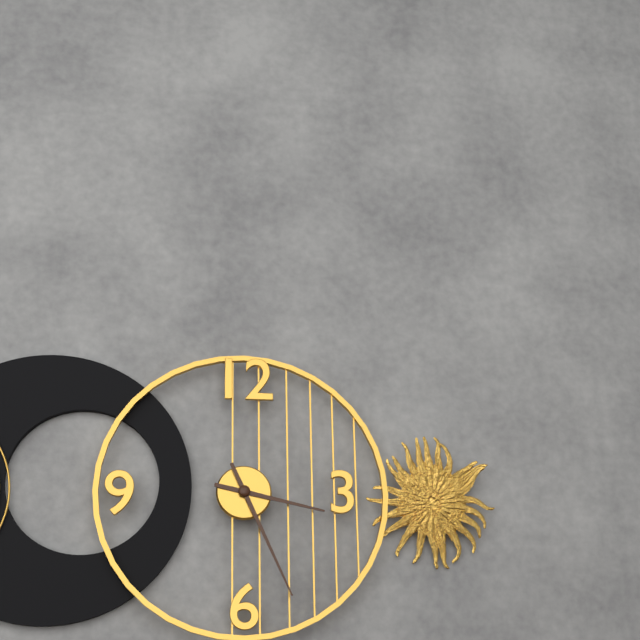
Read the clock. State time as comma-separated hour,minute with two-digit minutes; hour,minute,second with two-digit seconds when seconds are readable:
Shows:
3,26
